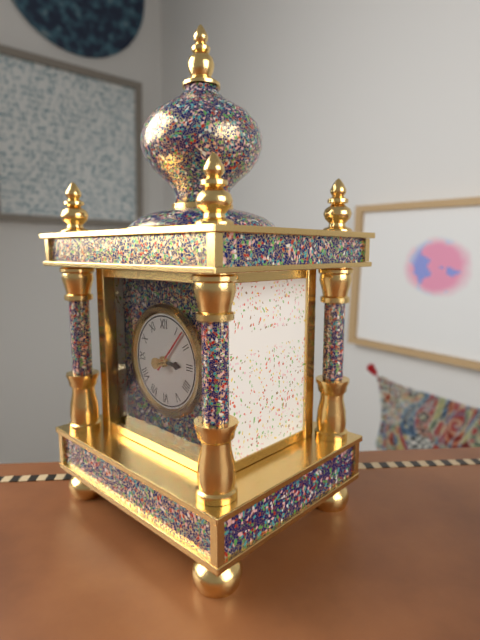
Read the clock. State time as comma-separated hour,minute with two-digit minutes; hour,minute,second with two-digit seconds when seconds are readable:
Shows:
3,07
